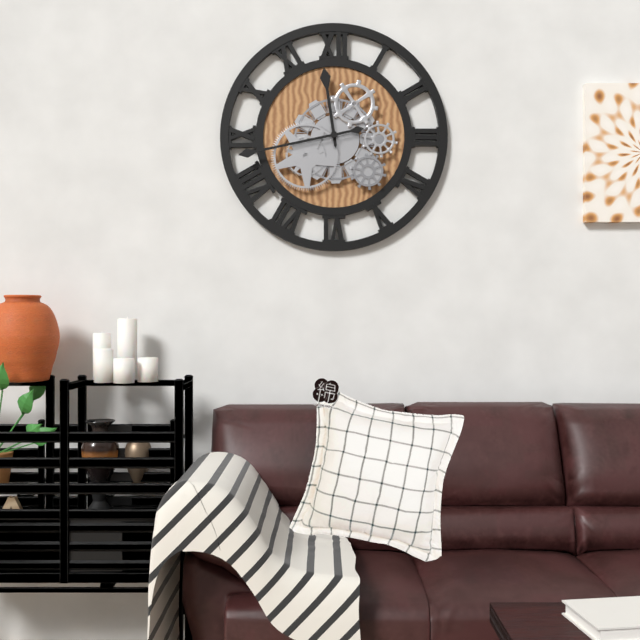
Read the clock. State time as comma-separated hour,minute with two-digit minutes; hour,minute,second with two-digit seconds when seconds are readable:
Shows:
11,43
